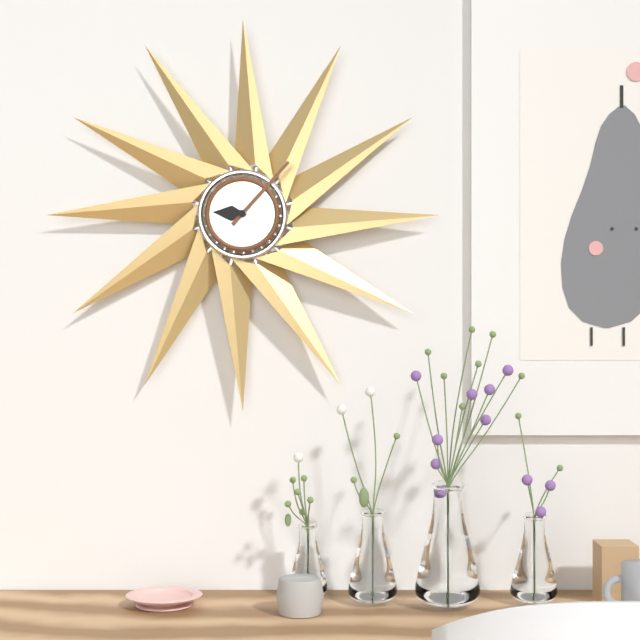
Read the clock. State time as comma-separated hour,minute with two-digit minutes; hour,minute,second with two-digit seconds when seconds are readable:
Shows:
9,07
